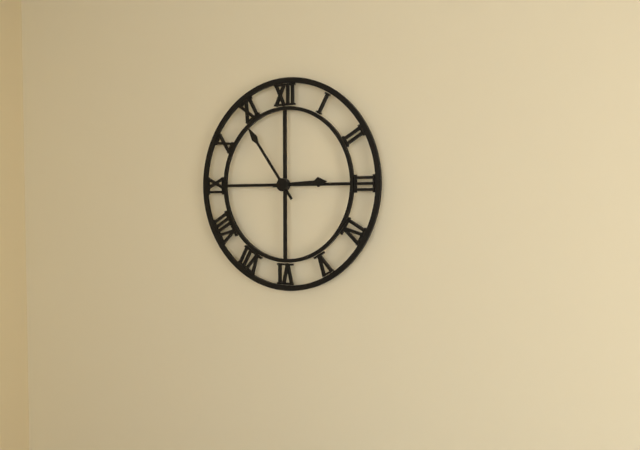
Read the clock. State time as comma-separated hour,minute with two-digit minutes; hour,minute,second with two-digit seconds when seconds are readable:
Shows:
2,54
